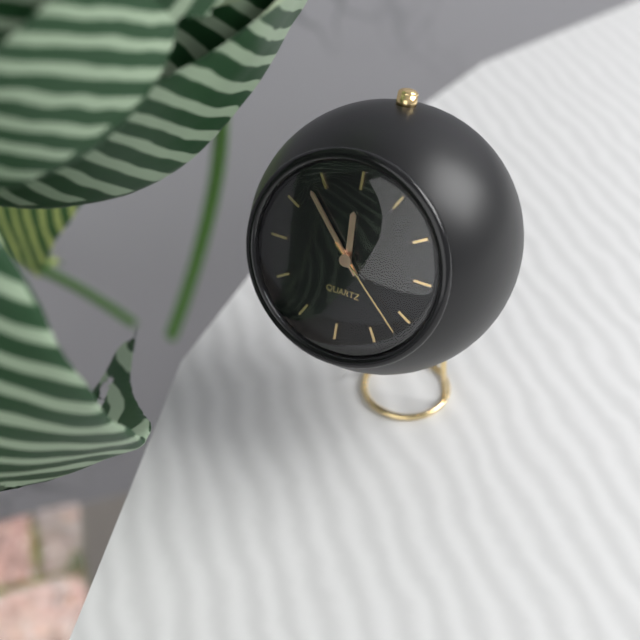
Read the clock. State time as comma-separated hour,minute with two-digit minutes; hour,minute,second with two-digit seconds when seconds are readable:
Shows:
11,53,22
